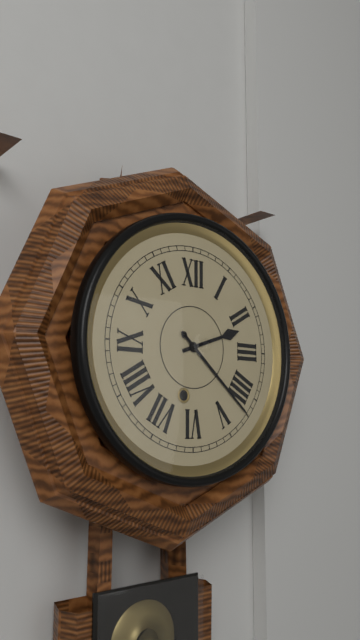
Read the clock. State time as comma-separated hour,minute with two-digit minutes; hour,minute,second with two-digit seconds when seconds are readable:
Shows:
2,22
